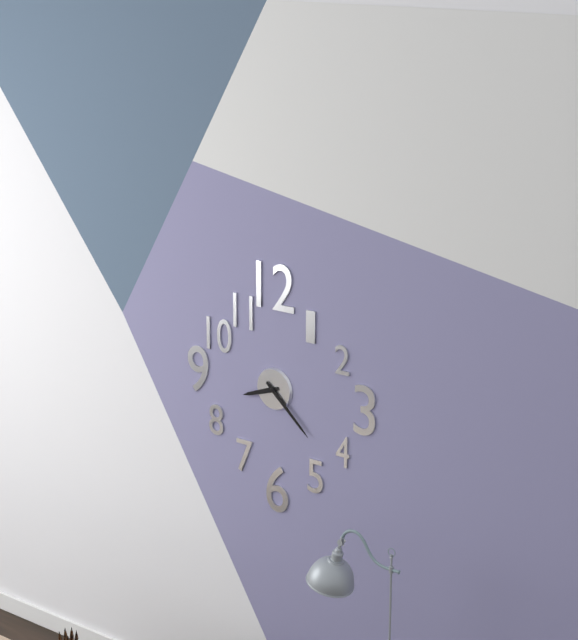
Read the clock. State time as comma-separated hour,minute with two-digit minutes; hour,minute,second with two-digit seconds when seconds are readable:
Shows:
8,22
